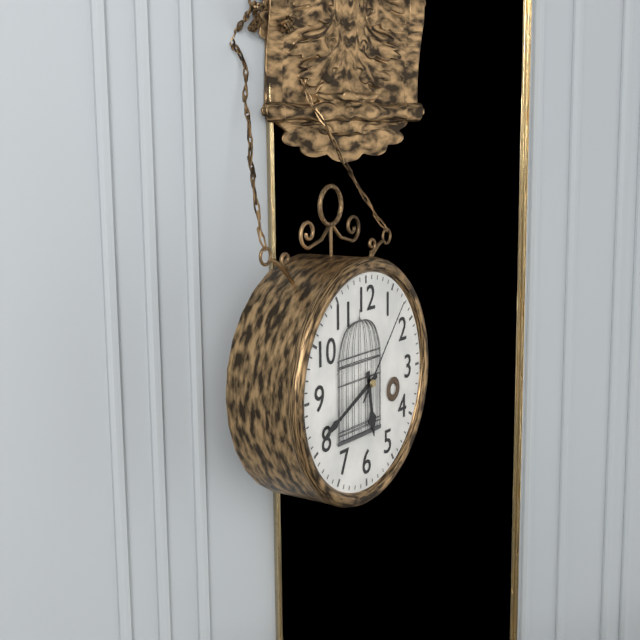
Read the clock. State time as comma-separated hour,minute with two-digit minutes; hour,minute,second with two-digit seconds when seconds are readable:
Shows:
5,41,07
